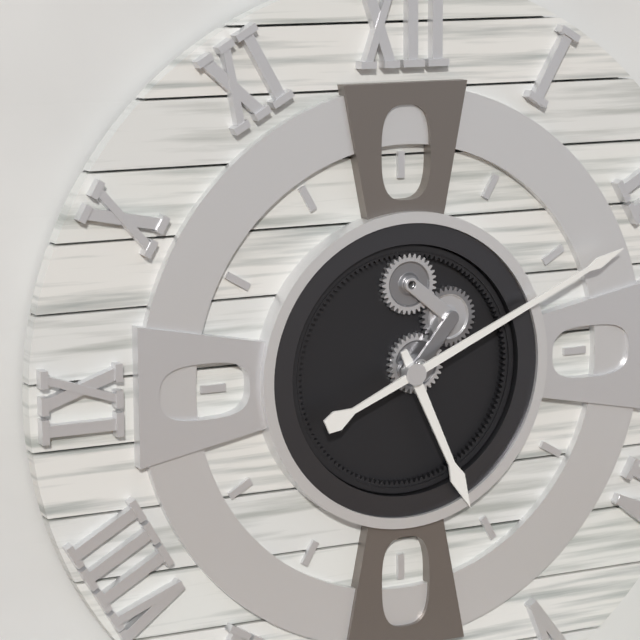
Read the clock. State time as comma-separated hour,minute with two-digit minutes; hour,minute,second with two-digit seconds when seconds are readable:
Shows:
5,11
